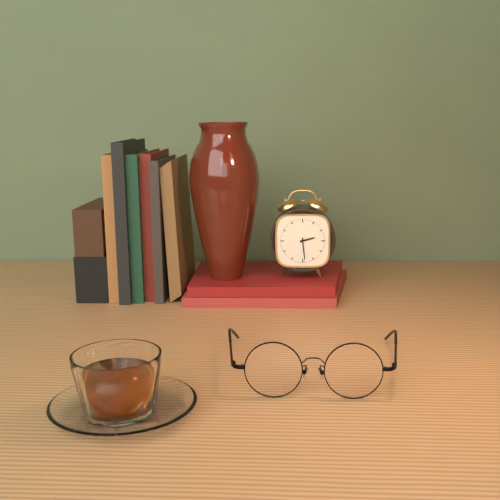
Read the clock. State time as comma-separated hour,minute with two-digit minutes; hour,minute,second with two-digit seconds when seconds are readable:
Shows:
2,29
